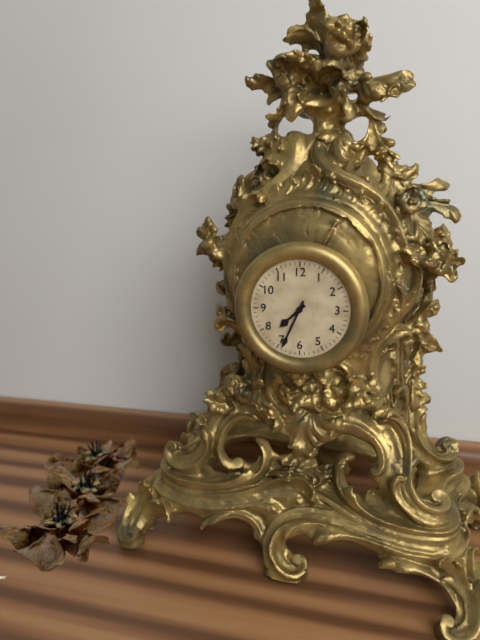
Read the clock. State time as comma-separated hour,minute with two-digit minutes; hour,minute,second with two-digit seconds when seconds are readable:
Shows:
7,34
